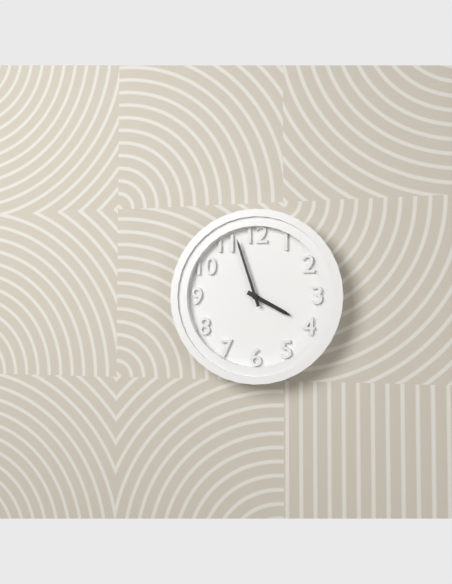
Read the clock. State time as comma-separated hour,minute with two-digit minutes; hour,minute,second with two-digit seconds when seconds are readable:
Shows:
3,57
